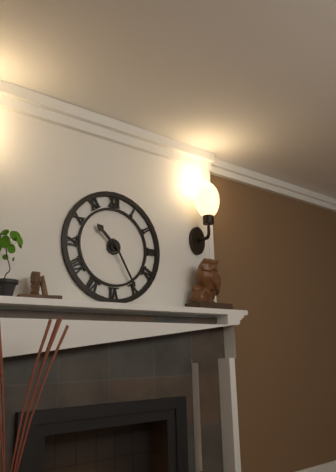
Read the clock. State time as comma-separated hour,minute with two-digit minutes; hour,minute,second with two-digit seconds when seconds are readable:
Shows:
10,25
